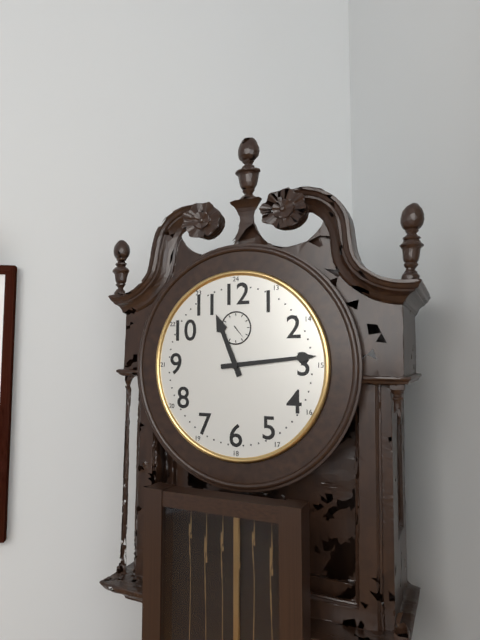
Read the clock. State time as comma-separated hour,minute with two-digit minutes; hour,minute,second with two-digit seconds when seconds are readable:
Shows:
11,14
